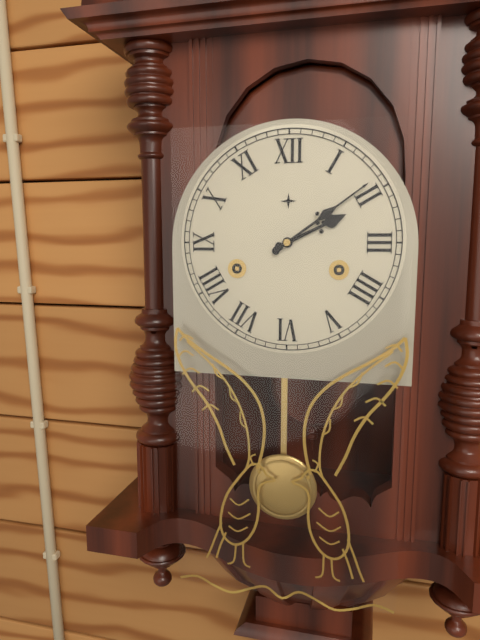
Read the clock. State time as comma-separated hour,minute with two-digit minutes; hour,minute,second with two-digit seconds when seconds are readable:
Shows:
2,09
